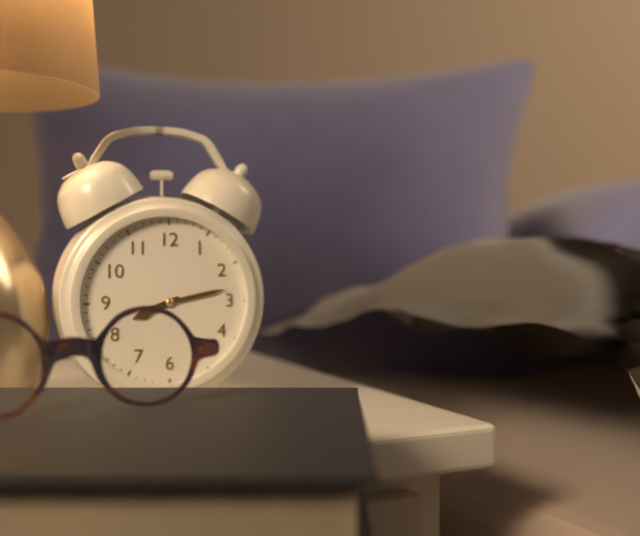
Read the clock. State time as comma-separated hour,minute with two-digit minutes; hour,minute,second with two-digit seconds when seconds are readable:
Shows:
8,13
